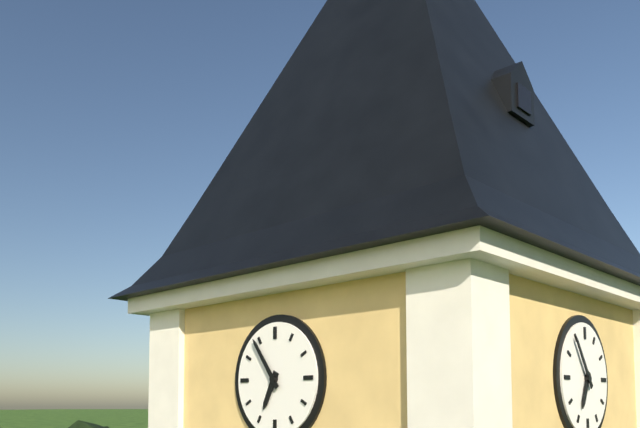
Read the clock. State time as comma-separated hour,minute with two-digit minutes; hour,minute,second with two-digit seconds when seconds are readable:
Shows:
6,54
